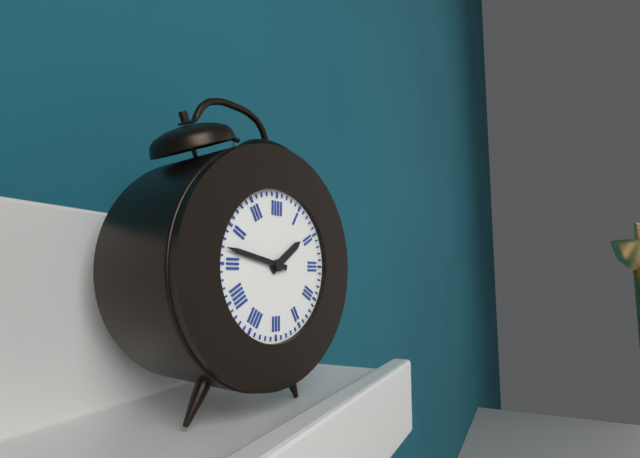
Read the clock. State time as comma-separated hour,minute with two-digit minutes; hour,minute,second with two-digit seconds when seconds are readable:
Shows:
1,47
